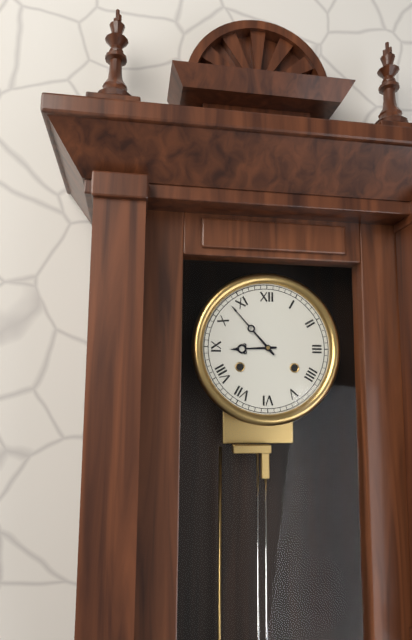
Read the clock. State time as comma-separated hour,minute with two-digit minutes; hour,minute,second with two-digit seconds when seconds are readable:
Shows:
8,53
